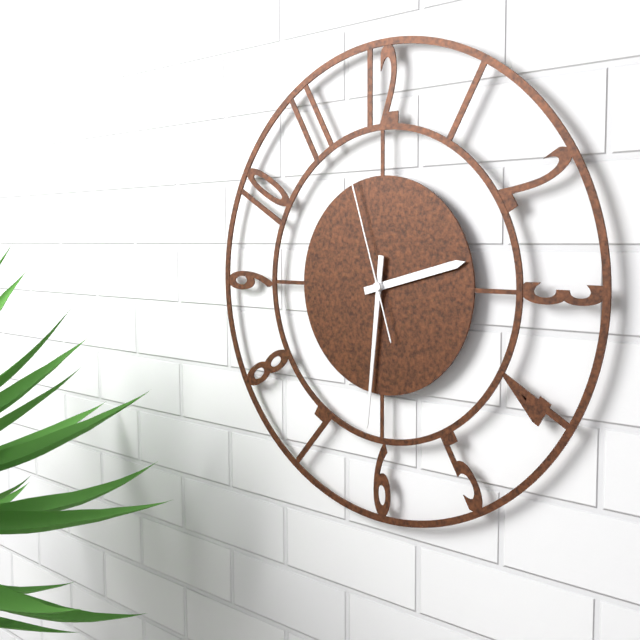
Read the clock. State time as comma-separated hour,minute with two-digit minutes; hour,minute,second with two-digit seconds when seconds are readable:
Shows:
2,31,57
